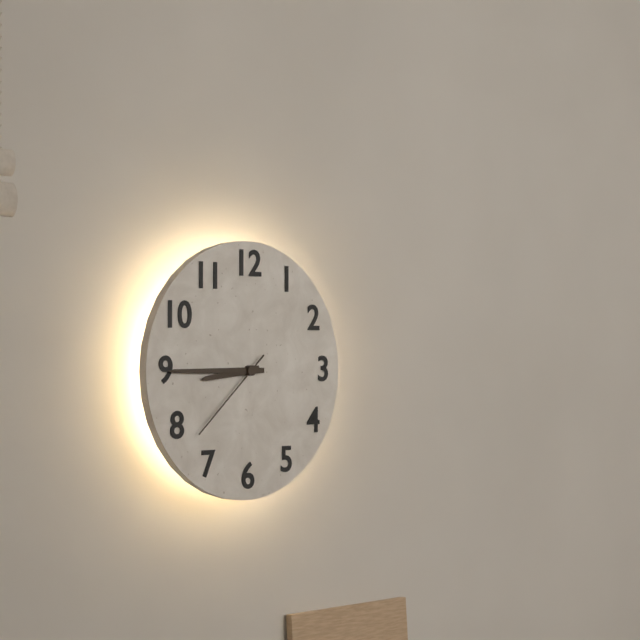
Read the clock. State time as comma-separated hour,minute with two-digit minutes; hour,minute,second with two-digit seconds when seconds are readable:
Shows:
8,45,38
